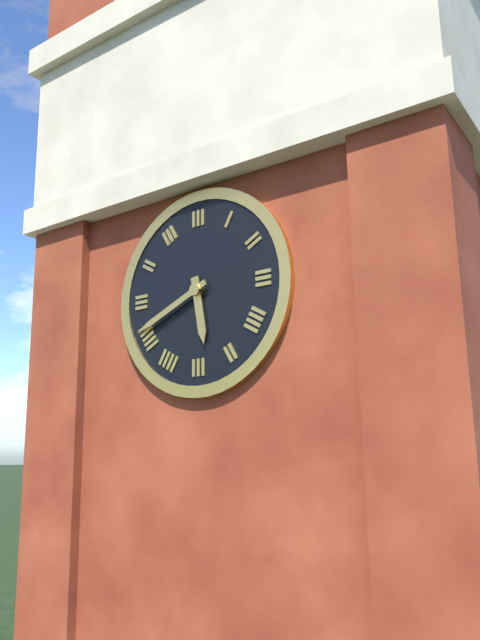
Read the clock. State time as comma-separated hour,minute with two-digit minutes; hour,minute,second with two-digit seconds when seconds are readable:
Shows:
5,41
